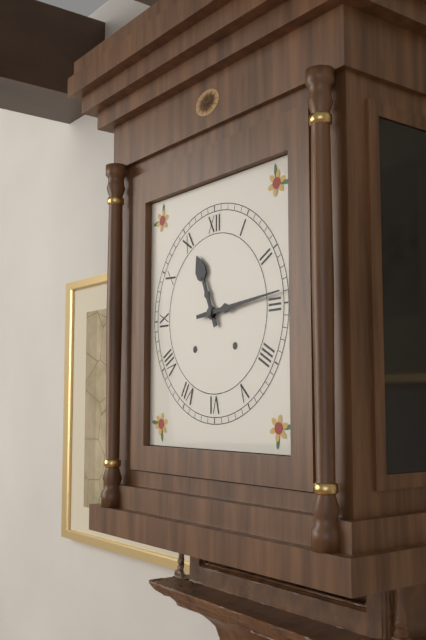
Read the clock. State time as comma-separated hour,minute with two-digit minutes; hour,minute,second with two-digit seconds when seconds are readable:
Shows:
11,14
